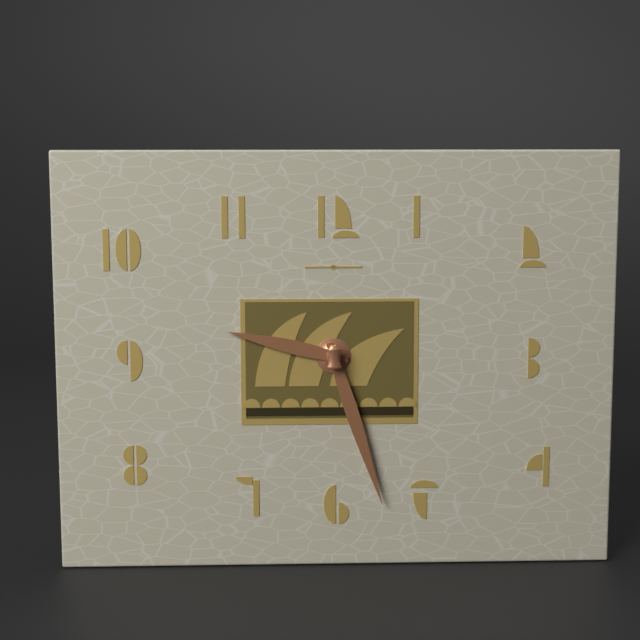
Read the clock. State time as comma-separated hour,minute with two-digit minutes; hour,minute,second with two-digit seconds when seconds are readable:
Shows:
9,27
